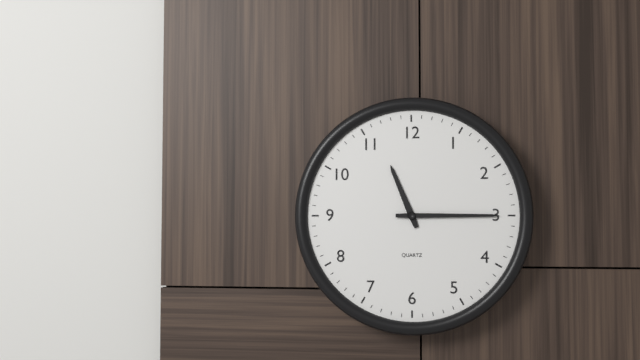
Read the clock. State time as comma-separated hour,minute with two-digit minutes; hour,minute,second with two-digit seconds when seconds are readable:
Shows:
11,15
